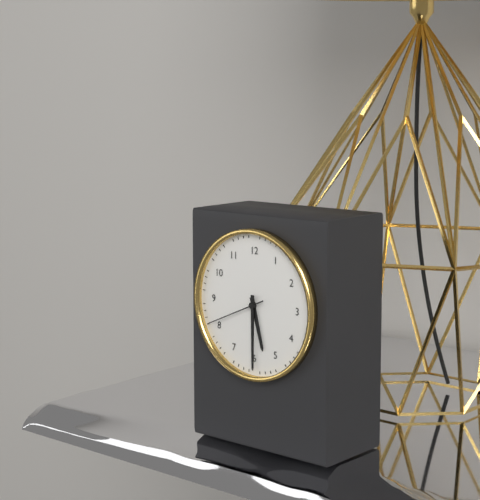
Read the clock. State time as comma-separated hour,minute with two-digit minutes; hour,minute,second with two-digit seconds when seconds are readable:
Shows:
5,30,41
